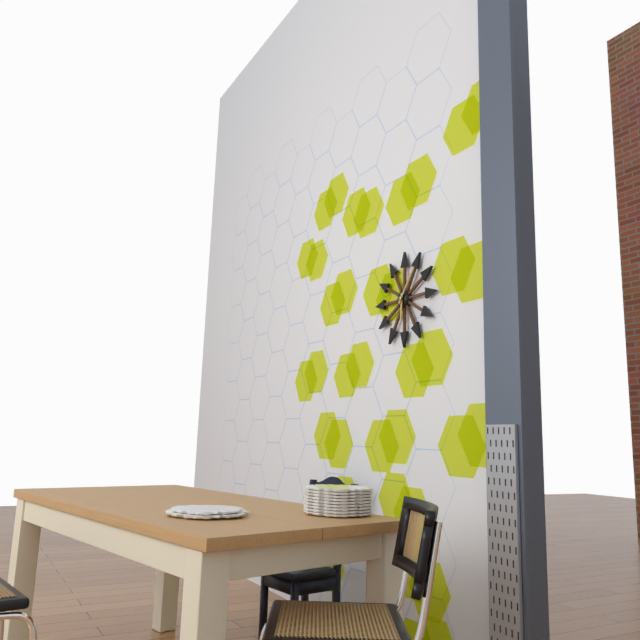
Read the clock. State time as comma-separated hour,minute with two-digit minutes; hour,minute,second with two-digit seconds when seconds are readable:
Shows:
6,06
